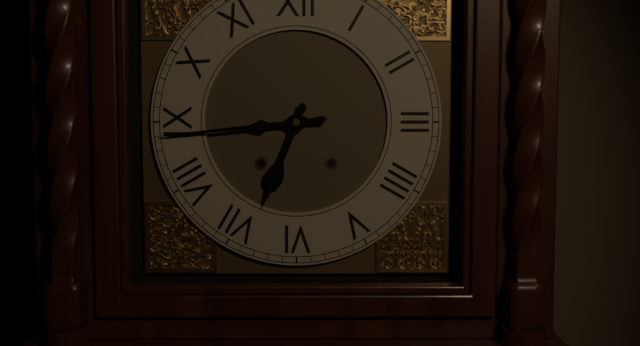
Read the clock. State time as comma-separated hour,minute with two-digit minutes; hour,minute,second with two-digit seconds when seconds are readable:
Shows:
6,44
